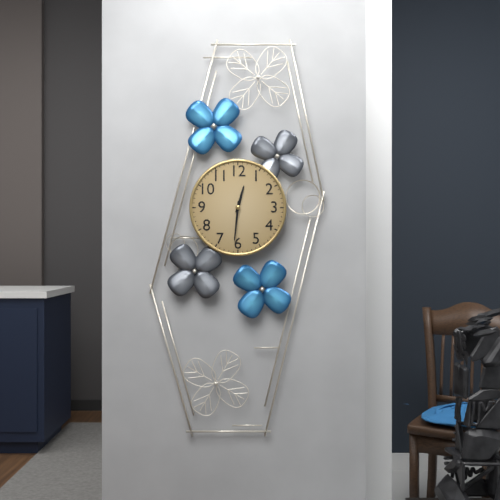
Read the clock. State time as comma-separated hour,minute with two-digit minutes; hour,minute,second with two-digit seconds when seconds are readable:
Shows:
12,31
